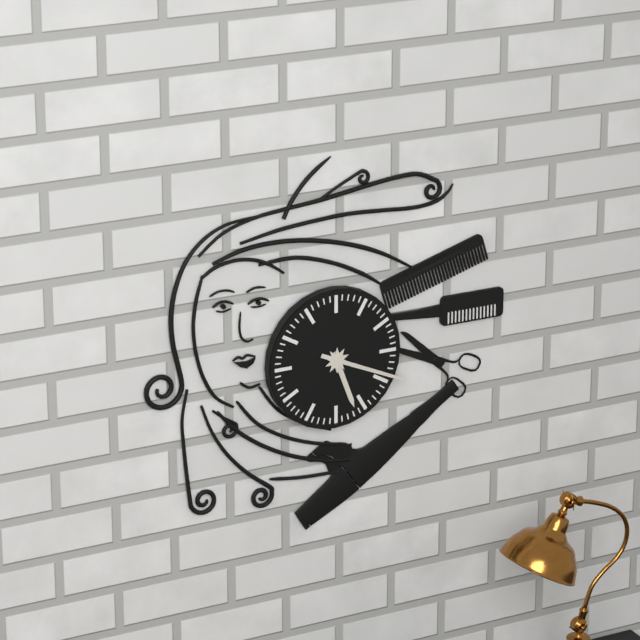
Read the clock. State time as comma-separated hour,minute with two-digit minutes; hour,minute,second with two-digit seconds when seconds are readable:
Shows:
5,19
